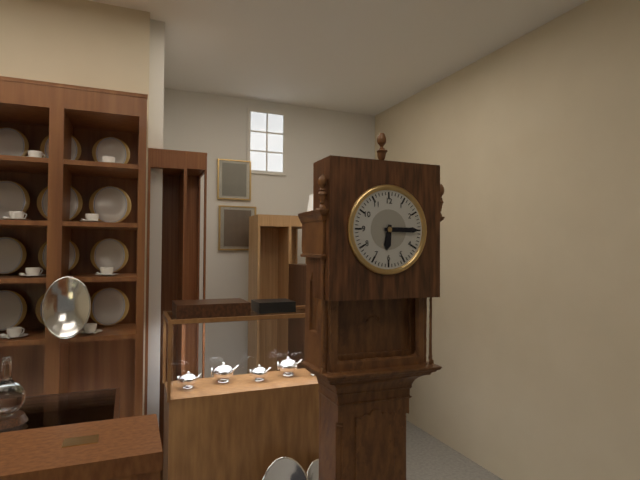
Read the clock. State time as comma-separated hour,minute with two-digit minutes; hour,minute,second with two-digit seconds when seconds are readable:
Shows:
6,15
